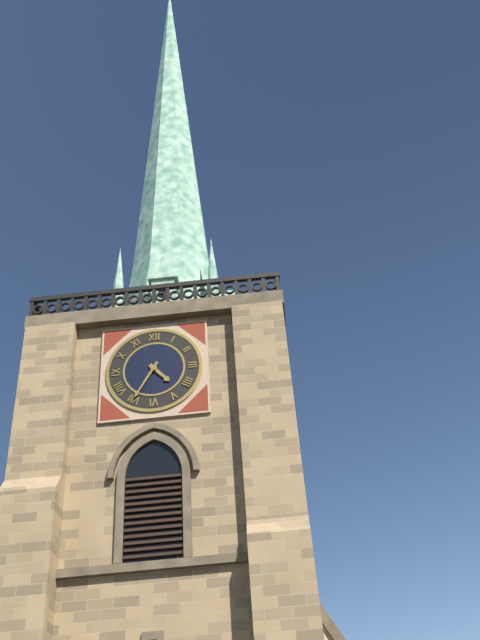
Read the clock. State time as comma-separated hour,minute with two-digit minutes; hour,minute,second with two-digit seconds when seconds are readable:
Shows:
4,35
